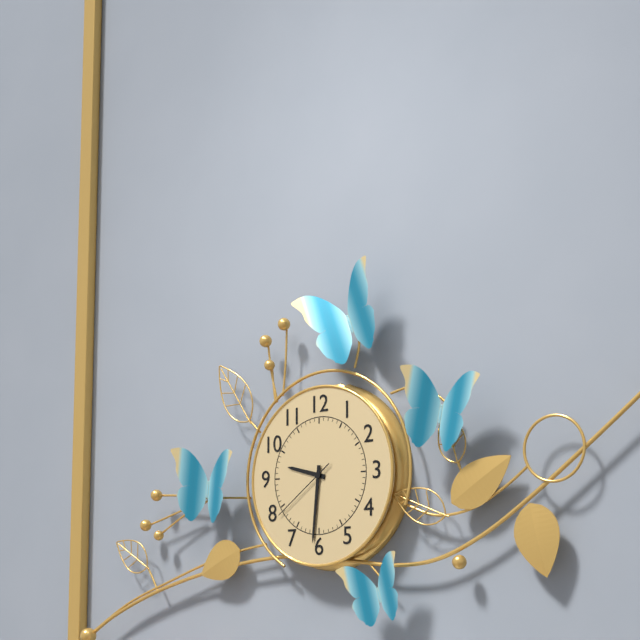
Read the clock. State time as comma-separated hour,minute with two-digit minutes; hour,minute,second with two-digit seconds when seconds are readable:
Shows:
9,31,39
